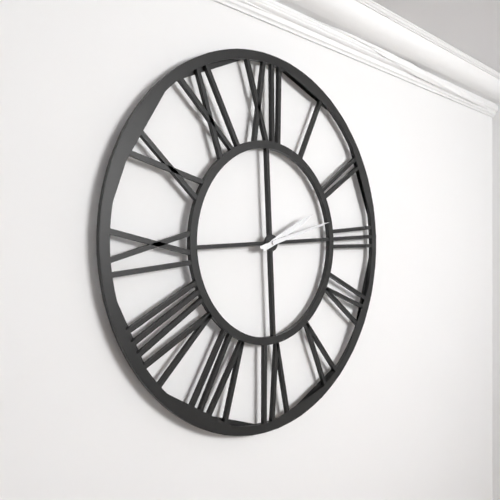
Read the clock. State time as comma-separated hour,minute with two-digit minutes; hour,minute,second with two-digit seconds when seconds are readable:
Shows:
2,13
